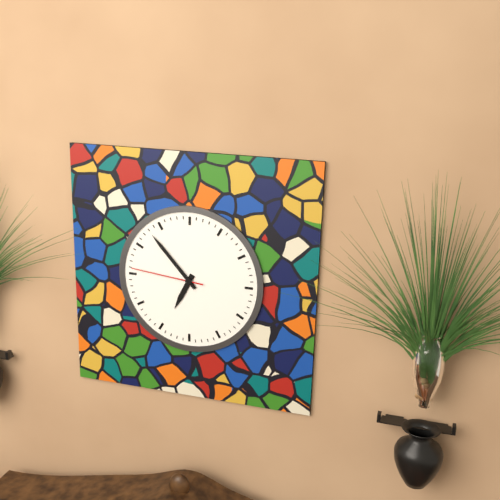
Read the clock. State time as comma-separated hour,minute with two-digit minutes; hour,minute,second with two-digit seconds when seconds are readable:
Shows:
6,53,46
